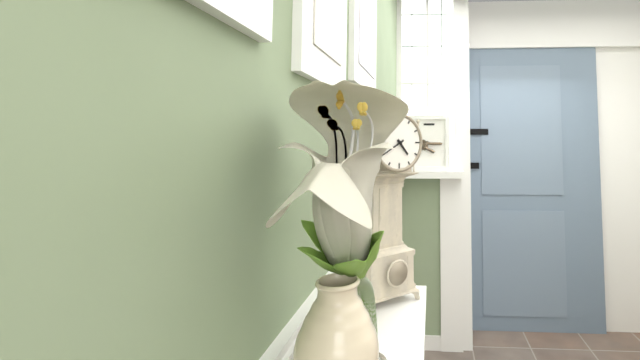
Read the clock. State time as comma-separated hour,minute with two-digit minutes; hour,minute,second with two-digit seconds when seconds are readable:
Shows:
4,40
